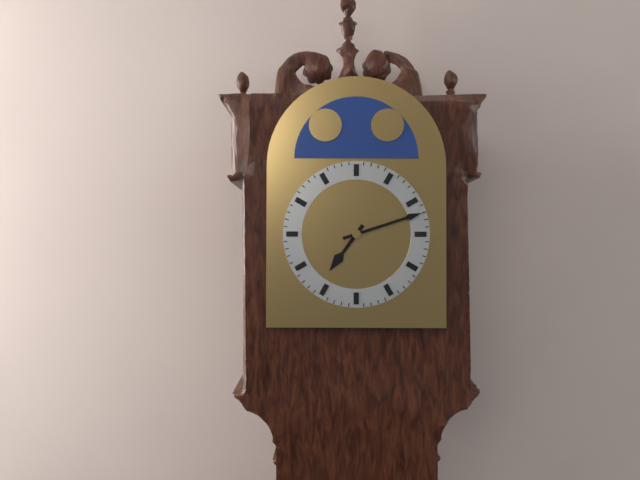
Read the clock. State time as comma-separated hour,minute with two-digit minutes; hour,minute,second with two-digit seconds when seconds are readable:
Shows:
7,12
